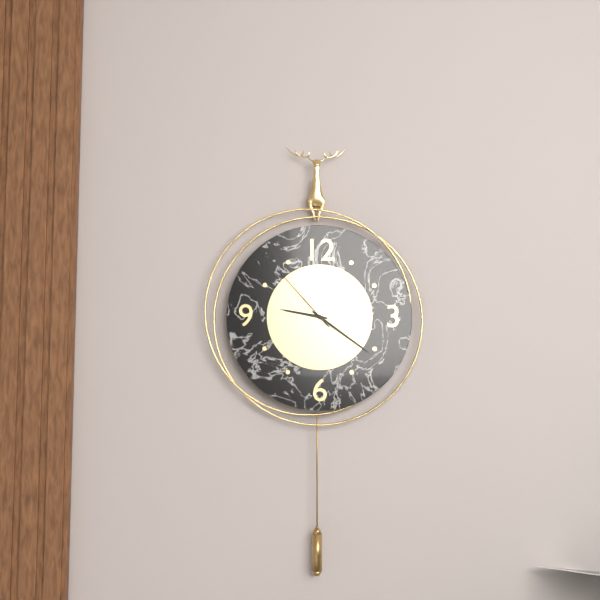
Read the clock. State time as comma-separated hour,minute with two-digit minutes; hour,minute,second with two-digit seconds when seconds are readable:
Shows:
9,21,53
